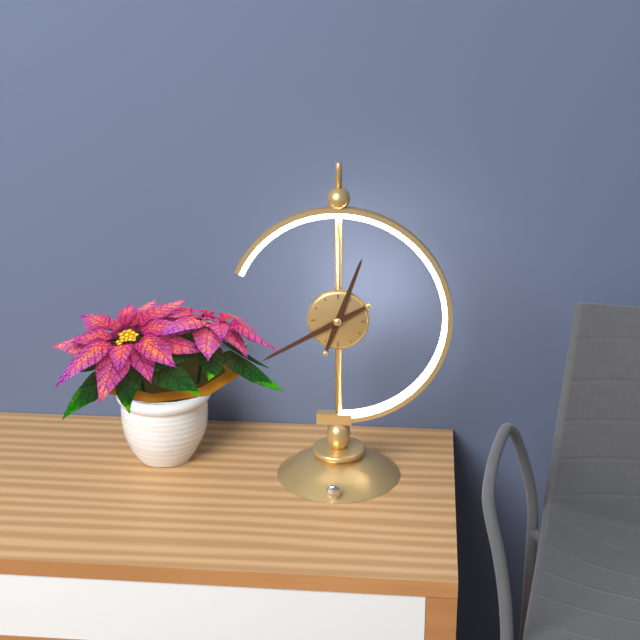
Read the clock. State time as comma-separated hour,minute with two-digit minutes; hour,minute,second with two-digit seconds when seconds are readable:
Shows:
12,40
